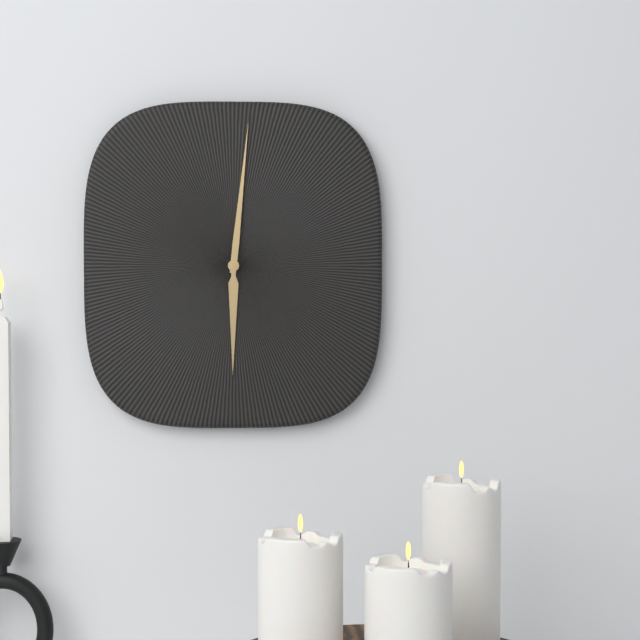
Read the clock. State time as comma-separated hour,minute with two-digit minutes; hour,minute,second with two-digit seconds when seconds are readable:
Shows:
6,01
